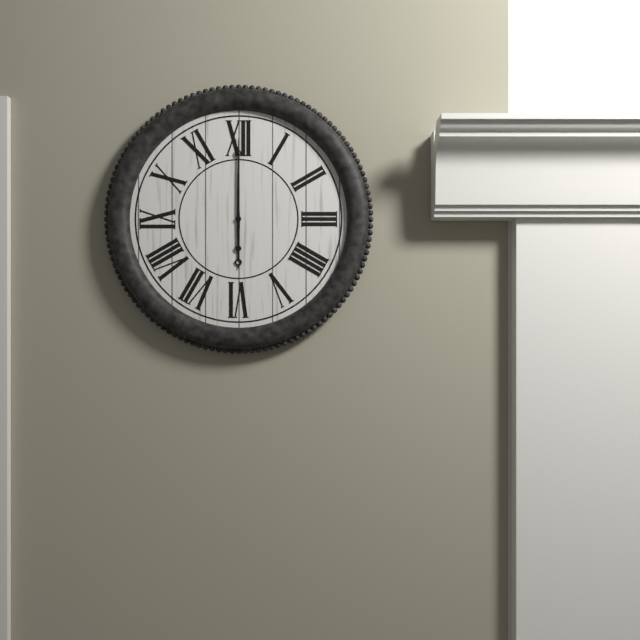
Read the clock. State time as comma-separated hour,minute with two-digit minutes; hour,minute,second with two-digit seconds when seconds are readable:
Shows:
6,00
